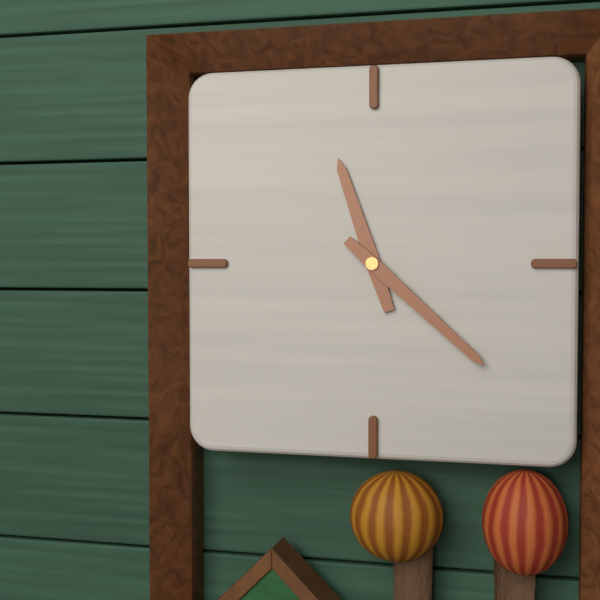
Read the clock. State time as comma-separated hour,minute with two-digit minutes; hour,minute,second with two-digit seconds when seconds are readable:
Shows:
11,22
